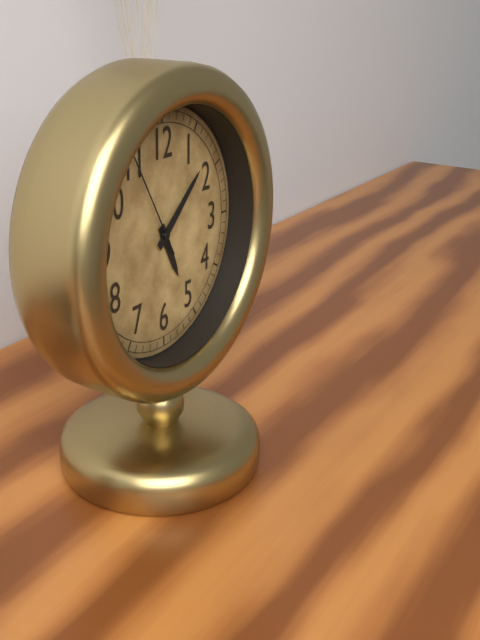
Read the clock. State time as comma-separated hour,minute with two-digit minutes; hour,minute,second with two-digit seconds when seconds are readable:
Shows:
5,08,55
